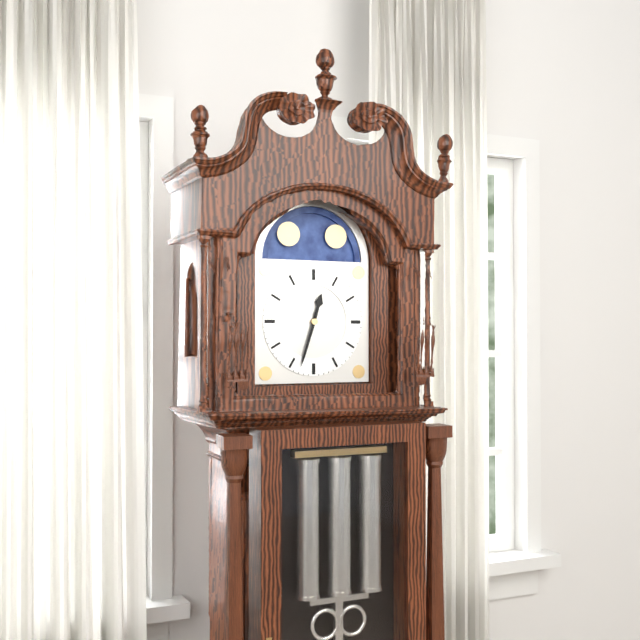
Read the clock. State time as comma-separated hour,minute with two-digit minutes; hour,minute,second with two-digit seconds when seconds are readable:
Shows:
12,33
